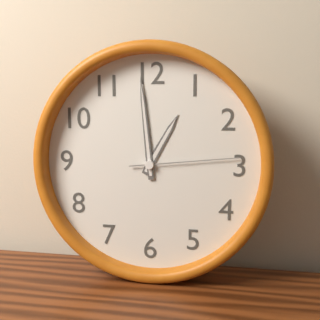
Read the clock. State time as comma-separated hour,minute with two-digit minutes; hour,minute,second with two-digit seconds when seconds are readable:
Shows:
12,59,14
